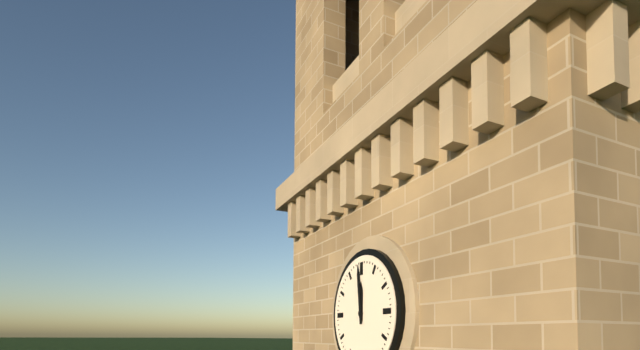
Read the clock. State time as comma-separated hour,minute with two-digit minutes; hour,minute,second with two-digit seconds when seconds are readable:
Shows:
11,59
